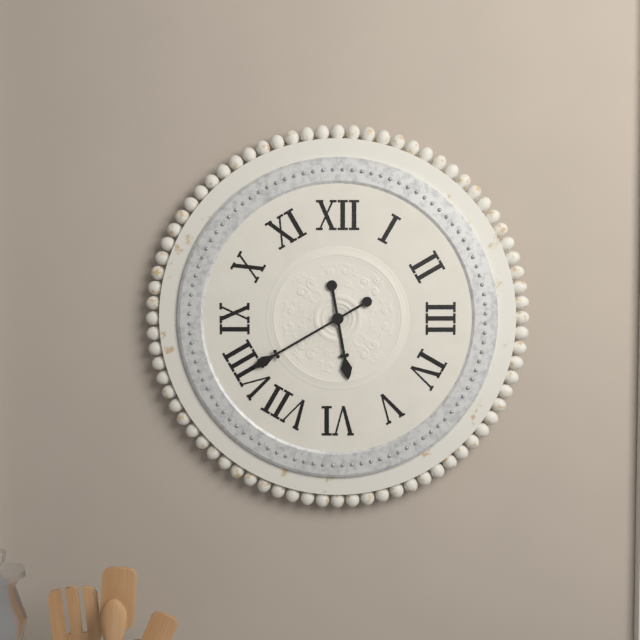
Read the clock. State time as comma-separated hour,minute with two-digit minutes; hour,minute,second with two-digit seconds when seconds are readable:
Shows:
5,40
